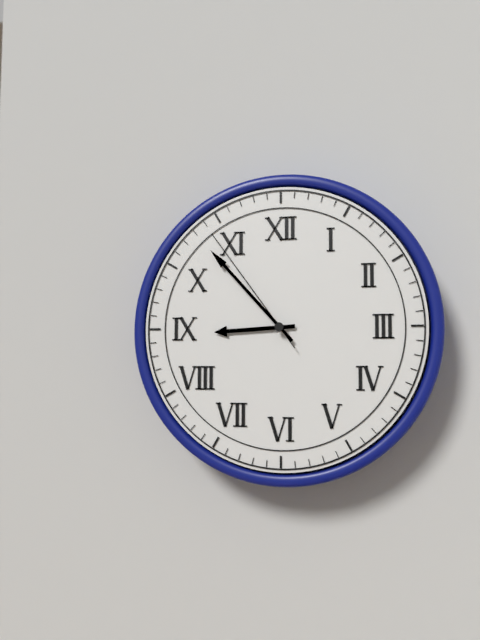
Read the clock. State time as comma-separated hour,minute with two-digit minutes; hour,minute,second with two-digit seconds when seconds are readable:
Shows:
8,53,54
